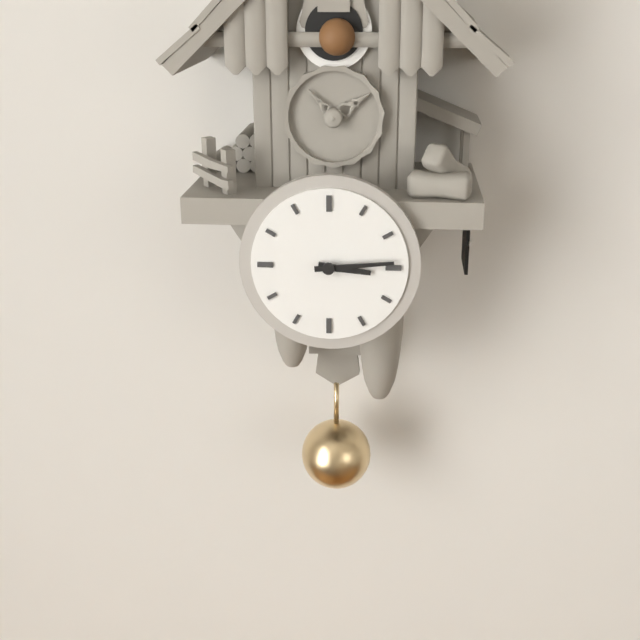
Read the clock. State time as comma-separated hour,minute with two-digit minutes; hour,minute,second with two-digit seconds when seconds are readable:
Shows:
3,14
